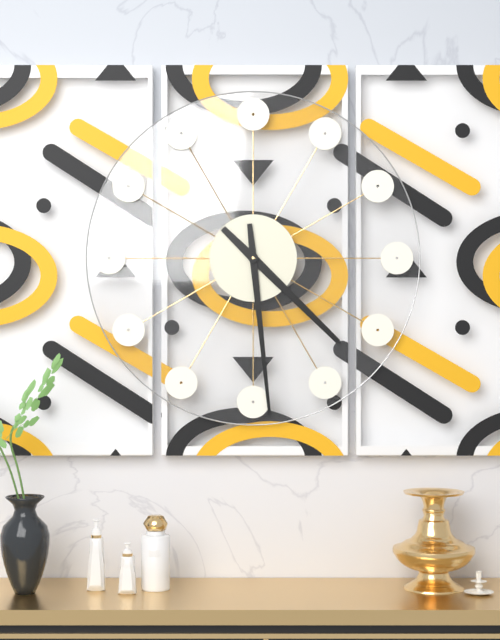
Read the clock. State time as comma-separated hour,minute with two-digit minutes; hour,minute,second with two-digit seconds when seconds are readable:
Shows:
4,29
